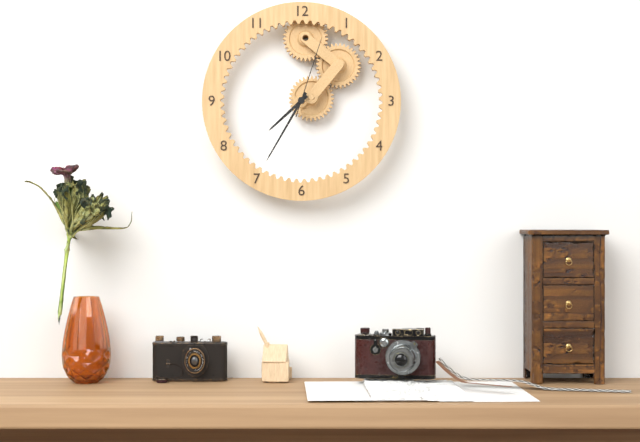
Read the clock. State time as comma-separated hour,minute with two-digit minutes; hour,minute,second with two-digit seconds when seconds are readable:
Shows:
7,35,03
